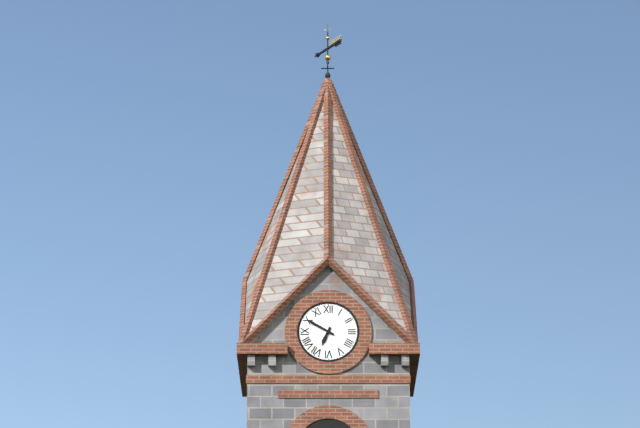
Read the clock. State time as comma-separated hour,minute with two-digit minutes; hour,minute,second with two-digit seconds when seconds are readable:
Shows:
6,50
